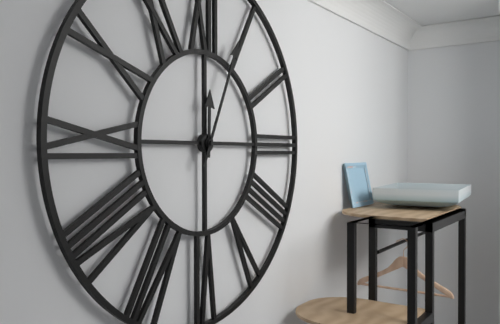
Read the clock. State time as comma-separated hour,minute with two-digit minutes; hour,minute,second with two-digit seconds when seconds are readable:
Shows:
12,04
